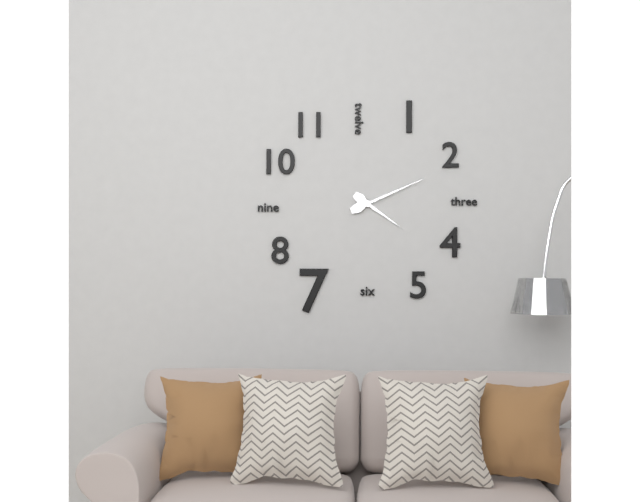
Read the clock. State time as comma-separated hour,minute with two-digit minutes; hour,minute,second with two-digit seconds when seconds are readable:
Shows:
4,11
